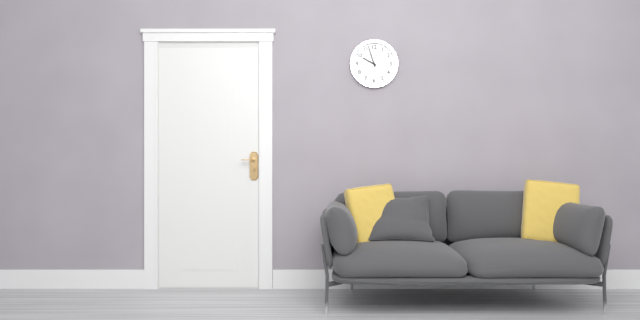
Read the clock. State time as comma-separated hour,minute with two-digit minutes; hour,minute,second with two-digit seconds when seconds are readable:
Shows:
9,57
